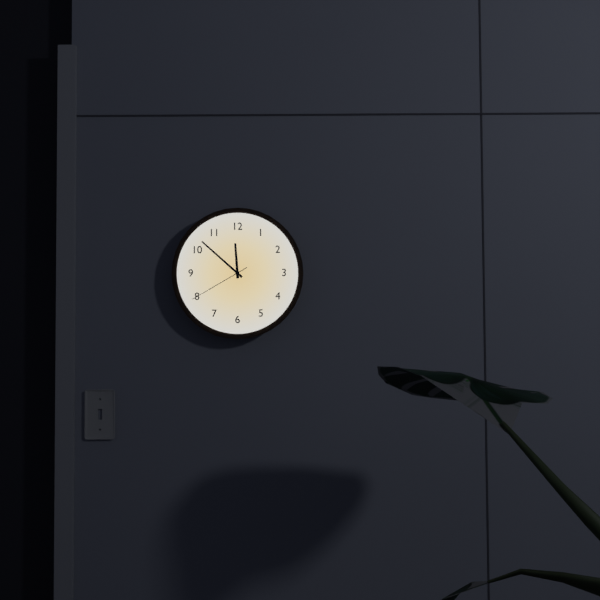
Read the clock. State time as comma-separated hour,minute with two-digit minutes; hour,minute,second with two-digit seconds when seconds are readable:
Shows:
11,52,40
